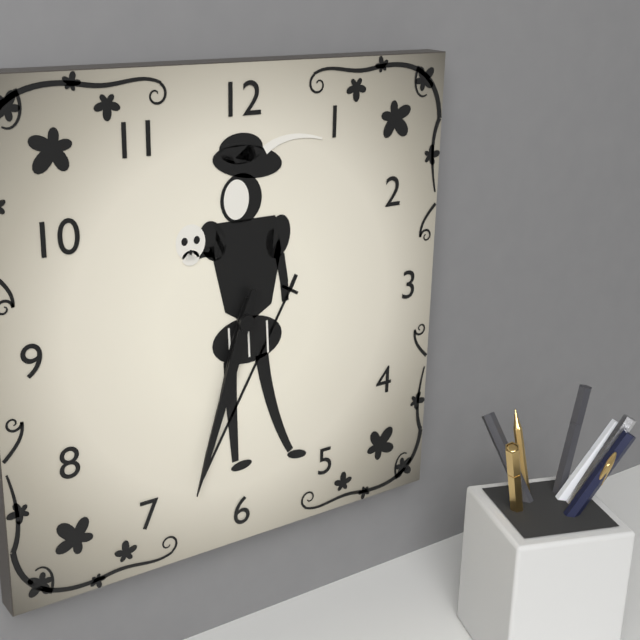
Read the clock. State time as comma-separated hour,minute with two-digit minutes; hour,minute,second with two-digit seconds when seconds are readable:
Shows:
6,33
